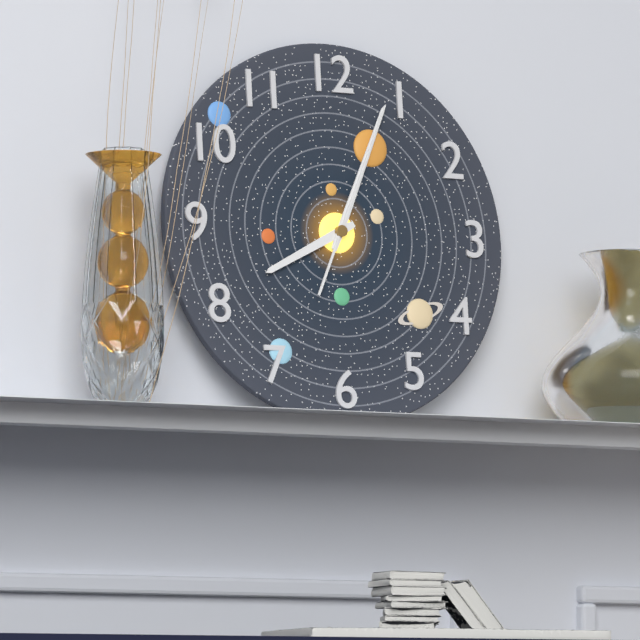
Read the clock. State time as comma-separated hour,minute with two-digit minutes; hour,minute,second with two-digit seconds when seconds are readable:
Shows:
8,04,04
